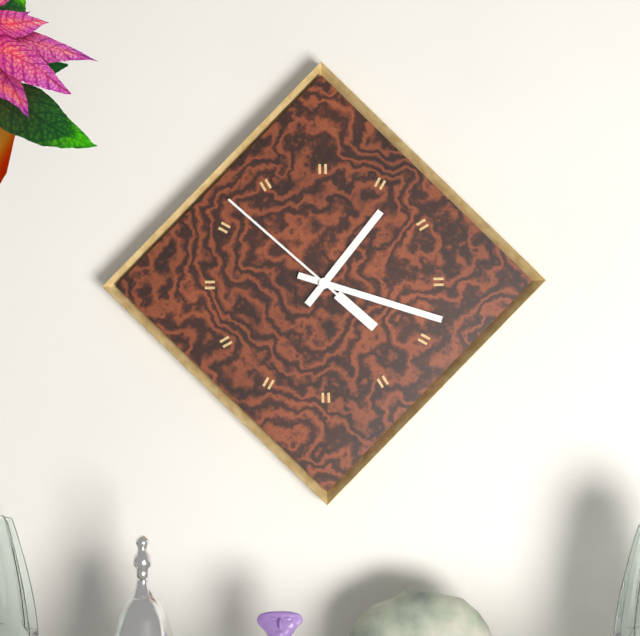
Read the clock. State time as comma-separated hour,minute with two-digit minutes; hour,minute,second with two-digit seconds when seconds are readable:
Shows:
1,18,52
